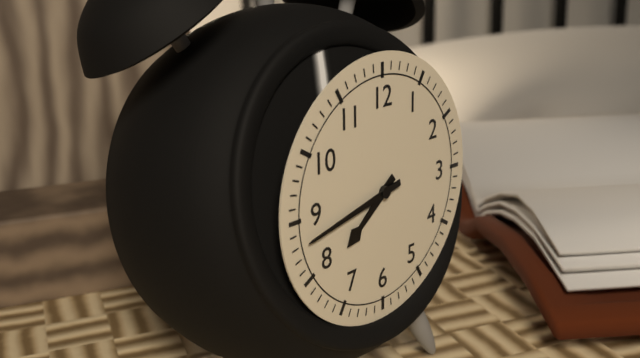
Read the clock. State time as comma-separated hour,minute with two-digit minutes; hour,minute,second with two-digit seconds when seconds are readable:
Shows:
7,43
